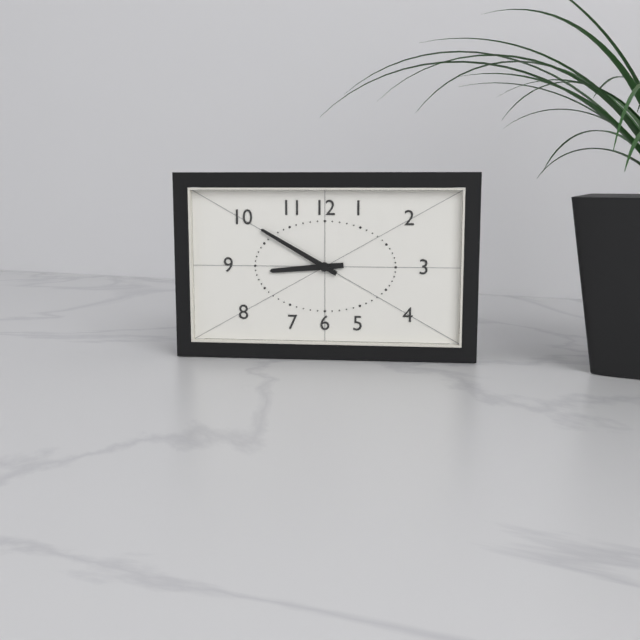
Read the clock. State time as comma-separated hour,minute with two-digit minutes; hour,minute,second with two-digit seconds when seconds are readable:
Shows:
8,50
